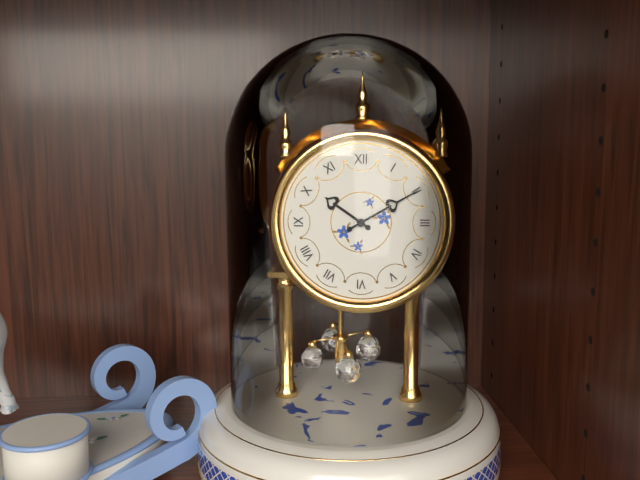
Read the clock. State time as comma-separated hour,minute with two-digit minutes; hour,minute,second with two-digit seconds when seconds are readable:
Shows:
10,10
